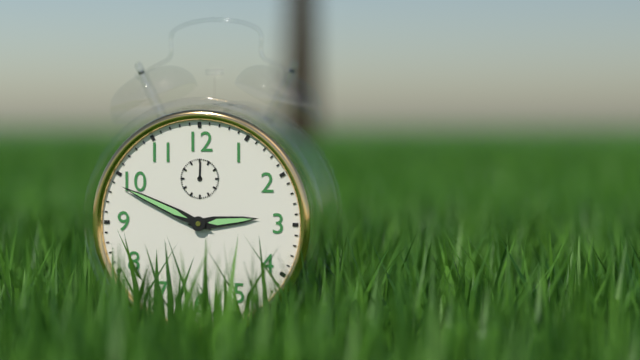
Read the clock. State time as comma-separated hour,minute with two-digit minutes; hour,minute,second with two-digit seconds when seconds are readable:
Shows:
2,49
